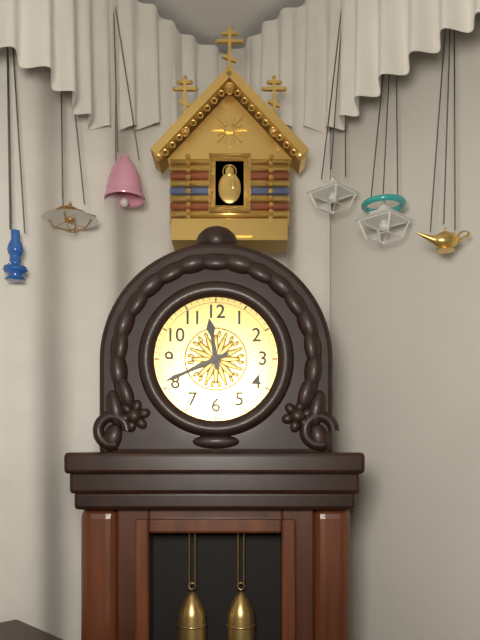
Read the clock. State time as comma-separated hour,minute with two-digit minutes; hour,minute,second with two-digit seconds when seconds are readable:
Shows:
11,41
